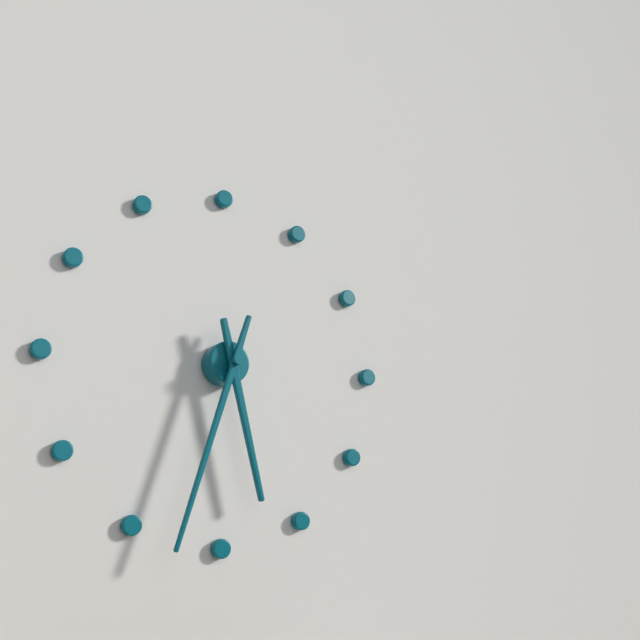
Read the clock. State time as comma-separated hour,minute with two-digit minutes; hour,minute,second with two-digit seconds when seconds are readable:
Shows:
5,33
